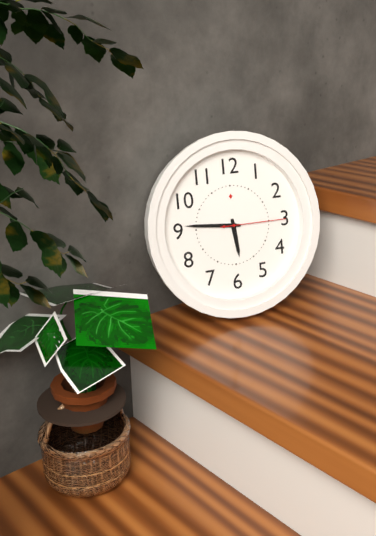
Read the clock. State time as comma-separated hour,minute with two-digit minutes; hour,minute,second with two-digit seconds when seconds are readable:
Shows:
5,46,15
